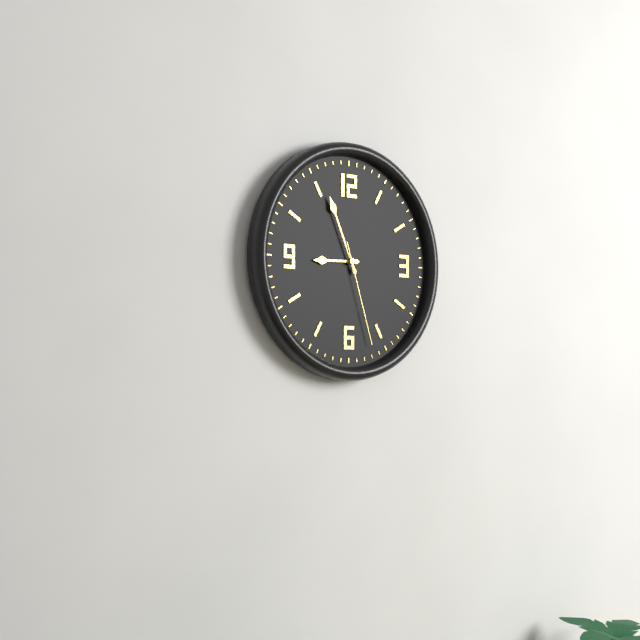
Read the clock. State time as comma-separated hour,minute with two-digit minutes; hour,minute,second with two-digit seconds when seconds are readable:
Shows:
8,56,27
